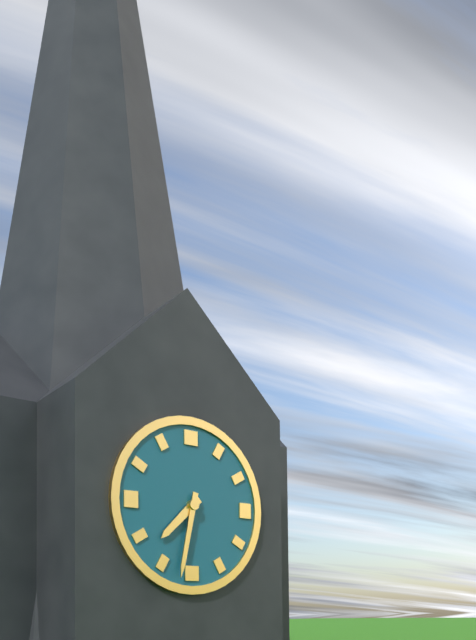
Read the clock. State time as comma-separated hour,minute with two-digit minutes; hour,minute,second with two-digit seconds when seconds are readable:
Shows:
7,32
